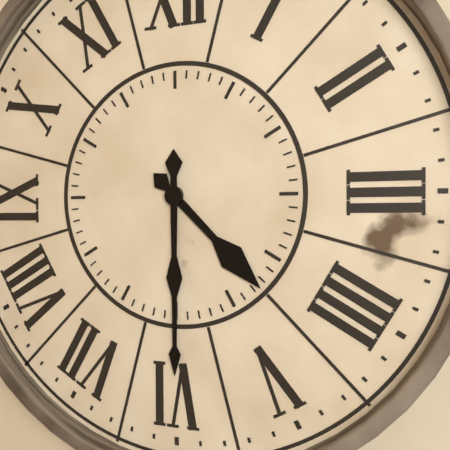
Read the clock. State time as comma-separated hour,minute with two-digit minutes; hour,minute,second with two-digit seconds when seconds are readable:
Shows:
4,30
